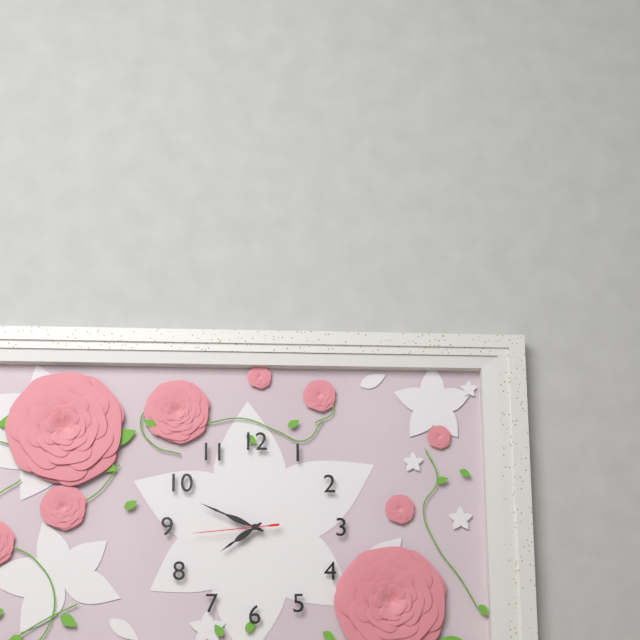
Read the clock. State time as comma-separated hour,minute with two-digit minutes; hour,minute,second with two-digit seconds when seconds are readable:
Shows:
7,49,44
